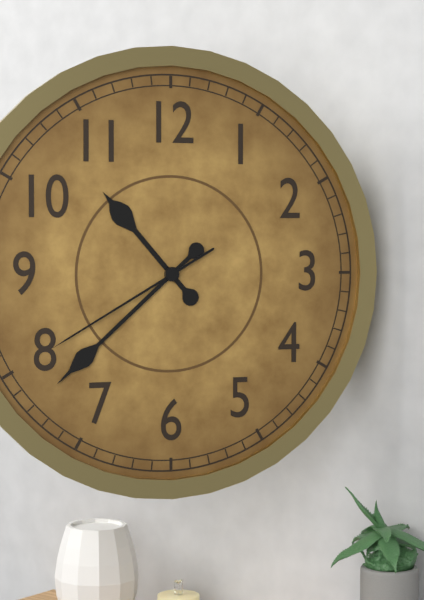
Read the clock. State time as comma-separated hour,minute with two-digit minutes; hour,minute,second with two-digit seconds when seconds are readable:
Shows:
10,38,40
